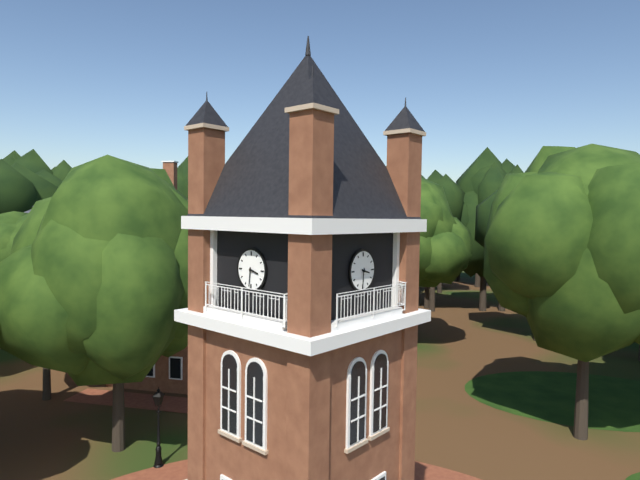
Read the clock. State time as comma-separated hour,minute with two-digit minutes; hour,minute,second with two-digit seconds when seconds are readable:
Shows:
3,31
